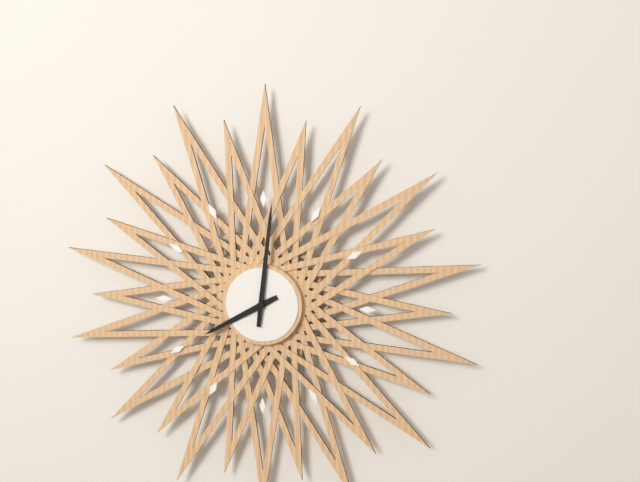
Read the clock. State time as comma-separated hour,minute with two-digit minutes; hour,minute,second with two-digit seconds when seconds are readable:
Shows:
8,01
